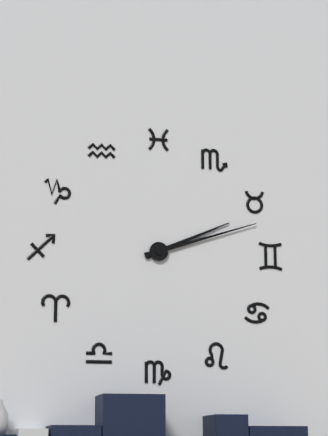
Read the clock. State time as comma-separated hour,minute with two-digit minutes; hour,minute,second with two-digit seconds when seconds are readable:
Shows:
2,12
